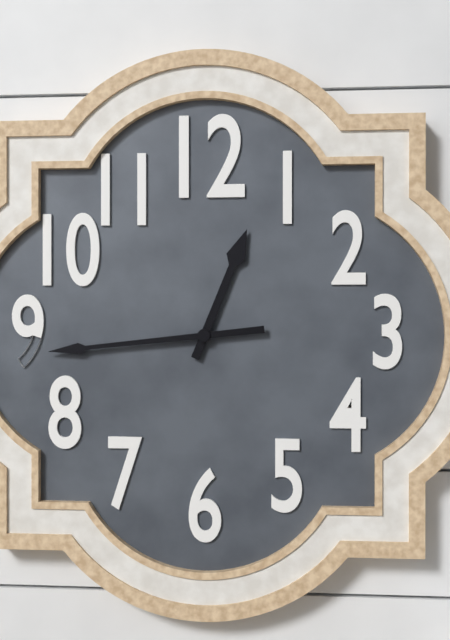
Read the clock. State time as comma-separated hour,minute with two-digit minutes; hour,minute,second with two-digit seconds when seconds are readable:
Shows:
12,44
